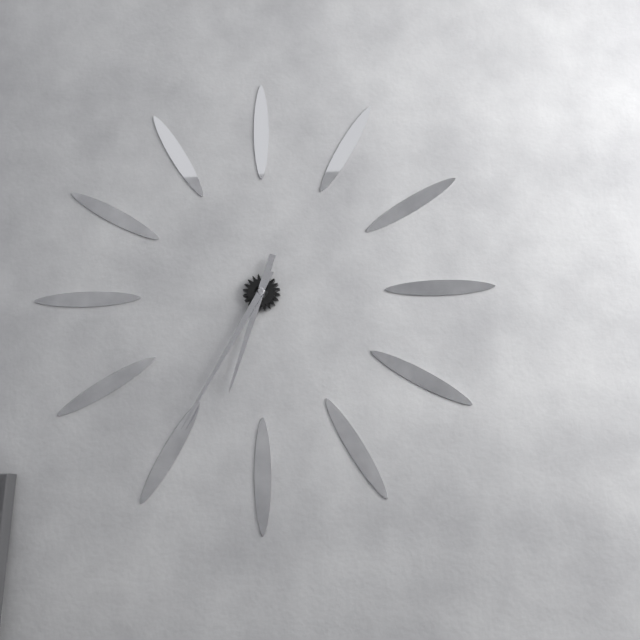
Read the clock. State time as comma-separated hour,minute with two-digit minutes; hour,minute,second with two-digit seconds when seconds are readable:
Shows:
6,35
